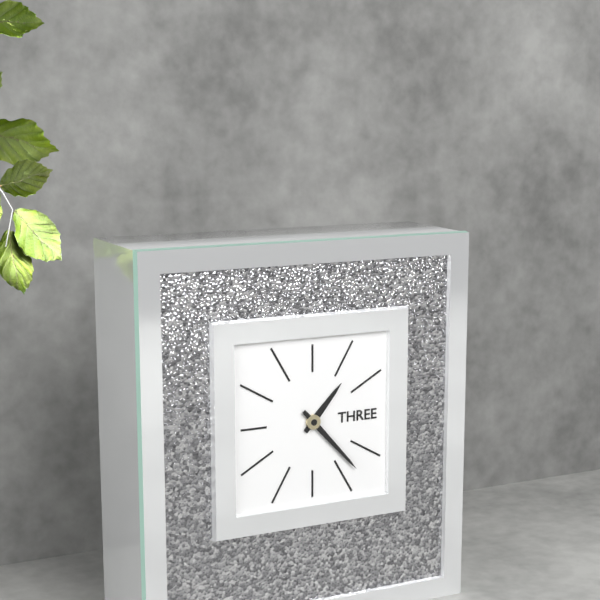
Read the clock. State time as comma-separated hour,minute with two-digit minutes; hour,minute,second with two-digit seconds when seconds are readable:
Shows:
1,23
